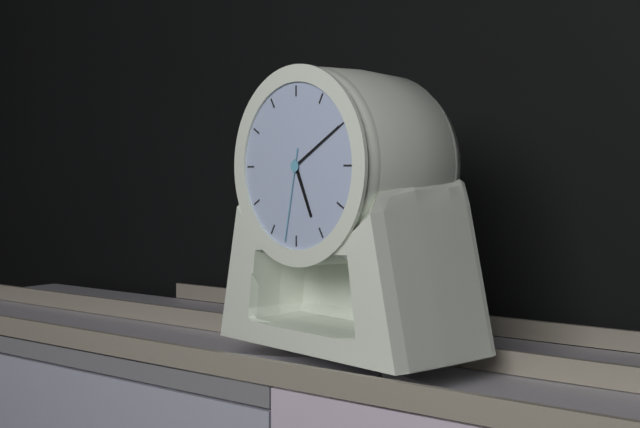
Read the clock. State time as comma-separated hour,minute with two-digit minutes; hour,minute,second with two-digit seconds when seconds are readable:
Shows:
5,10,32
